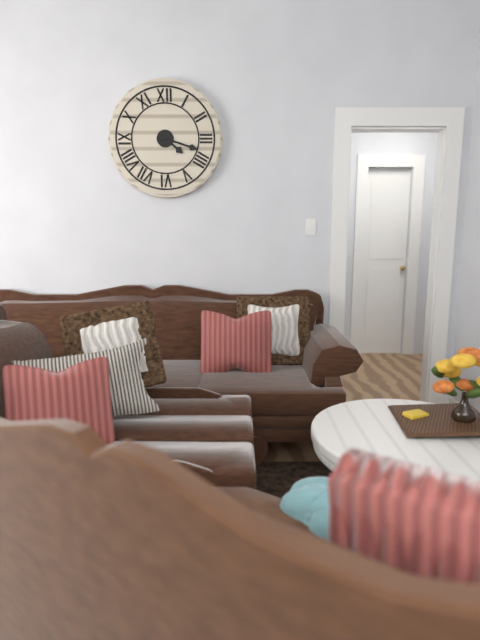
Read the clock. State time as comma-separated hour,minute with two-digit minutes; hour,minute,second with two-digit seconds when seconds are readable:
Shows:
4,18
